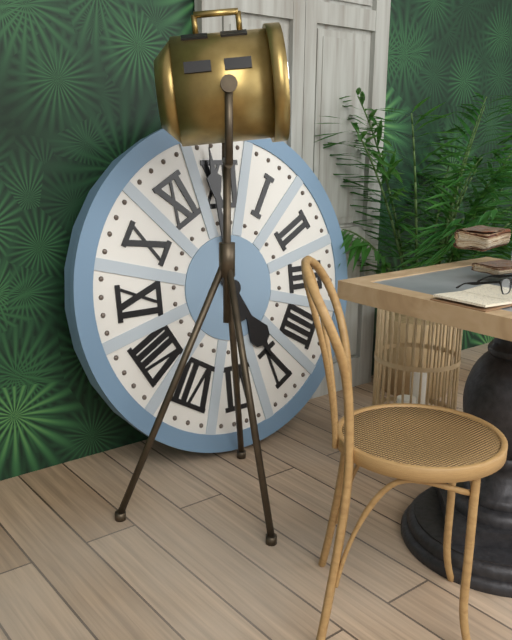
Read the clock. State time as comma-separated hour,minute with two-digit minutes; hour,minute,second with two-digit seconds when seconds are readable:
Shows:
4,59
